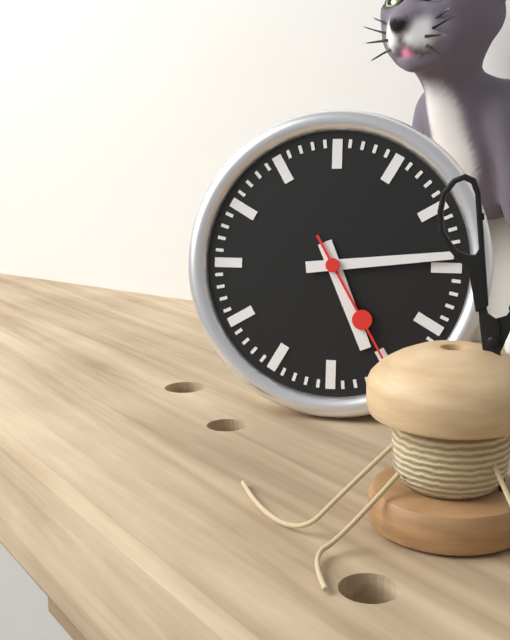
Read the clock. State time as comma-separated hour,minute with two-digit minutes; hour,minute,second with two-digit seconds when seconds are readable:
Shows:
5,14,25
